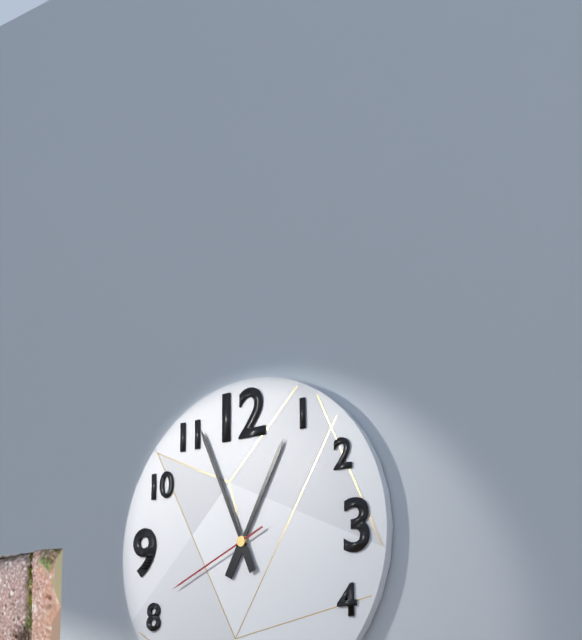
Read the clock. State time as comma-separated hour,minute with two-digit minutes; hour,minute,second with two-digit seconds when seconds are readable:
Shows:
12,56,41
